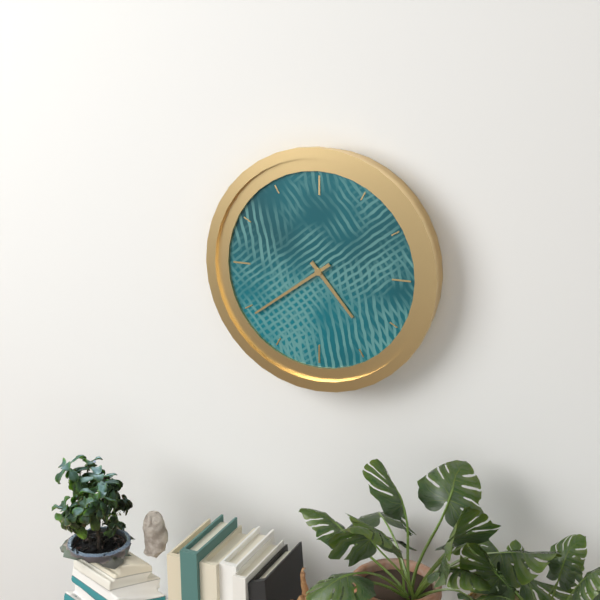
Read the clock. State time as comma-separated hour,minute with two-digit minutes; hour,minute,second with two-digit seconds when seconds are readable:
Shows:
4,39
